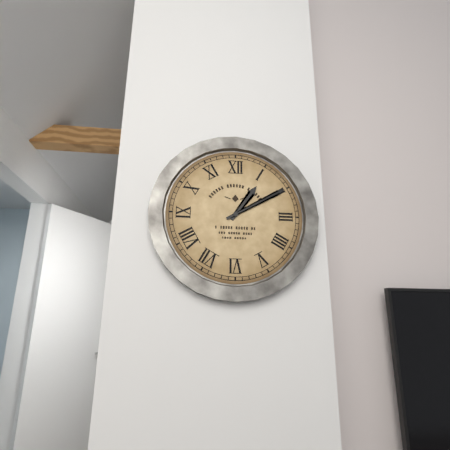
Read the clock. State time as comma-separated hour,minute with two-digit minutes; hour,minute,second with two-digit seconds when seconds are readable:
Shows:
1,10
